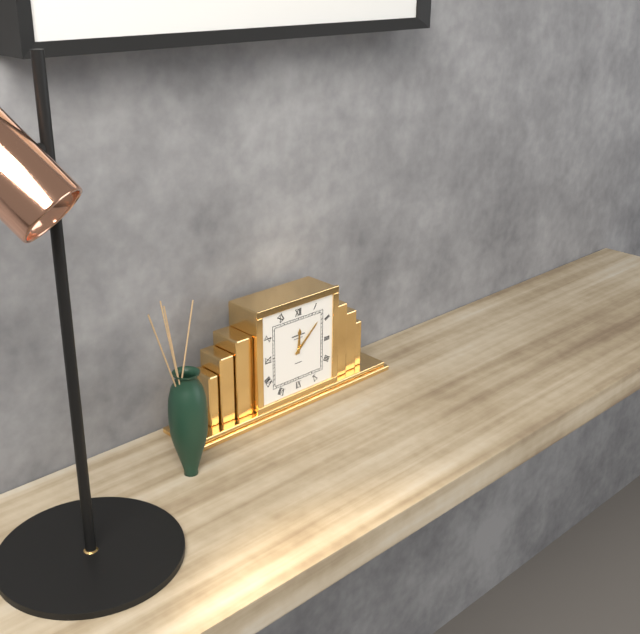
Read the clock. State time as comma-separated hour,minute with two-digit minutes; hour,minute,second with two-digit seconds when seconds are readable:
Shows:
12,08
